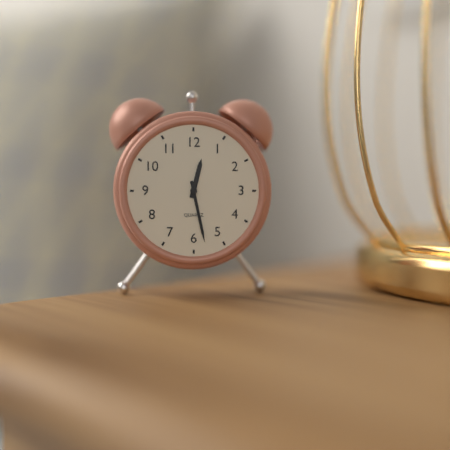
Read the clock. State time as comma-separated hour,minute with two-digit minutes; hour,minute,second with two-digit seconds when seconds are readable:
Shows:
12,28
